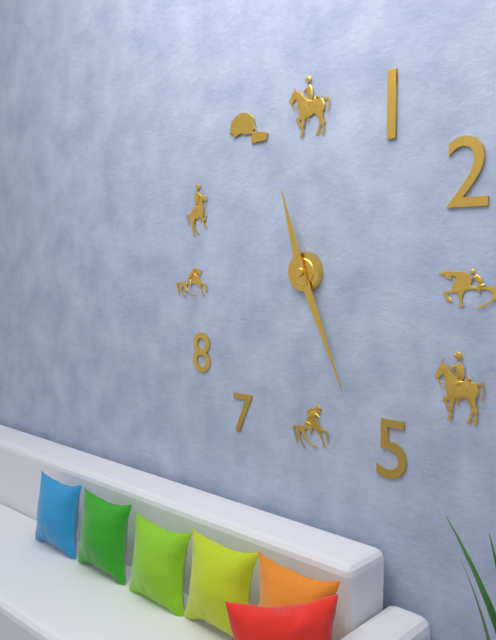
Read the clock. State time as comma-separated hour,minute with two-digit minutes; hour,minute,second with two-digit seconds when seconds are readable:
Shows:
11,26
